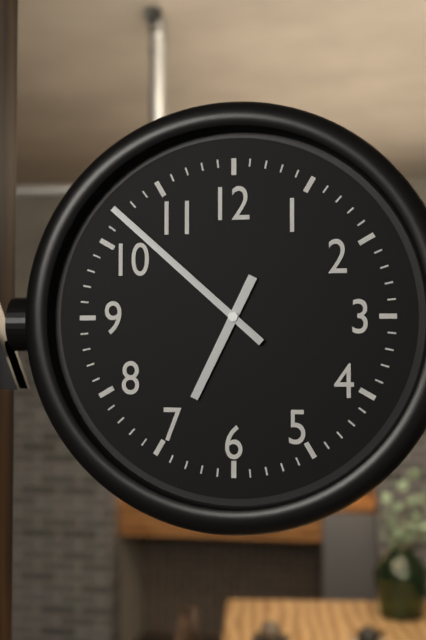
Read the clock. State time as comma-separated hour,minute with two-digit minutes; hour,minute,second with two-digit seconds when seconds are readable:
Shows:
6,52
